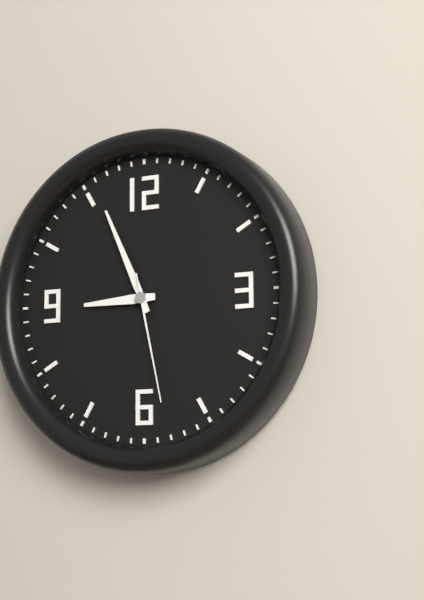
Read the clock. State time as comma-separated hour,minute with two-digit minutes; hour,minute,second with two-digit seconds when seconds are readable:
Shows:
8,56,28
